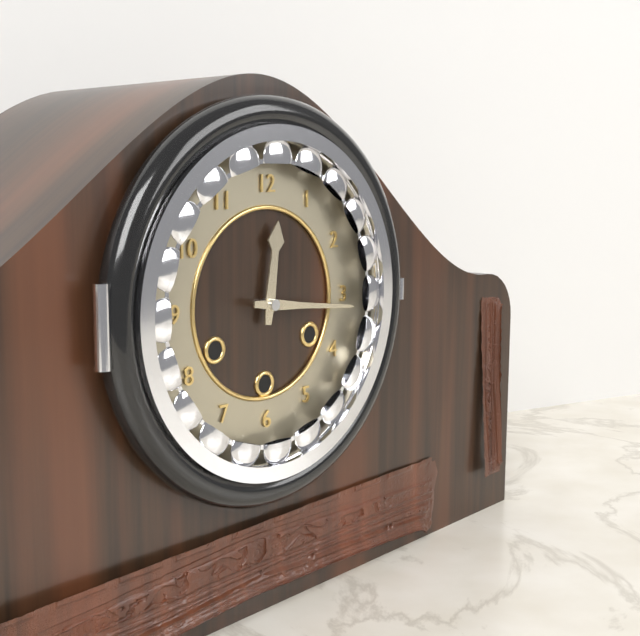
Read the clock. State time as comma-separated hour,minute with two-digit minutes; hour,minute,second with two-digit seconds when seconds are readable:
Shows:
12,16
